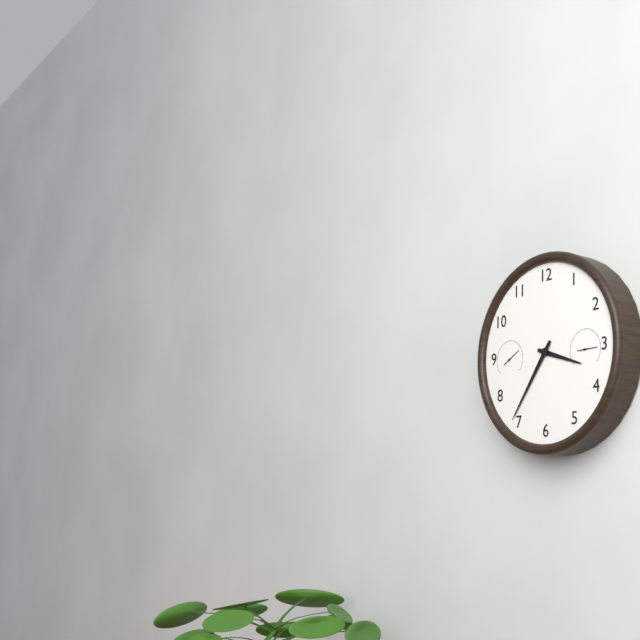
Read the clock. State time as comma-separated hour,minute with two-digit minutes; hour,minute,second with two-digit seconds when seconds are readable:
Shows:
3,36
